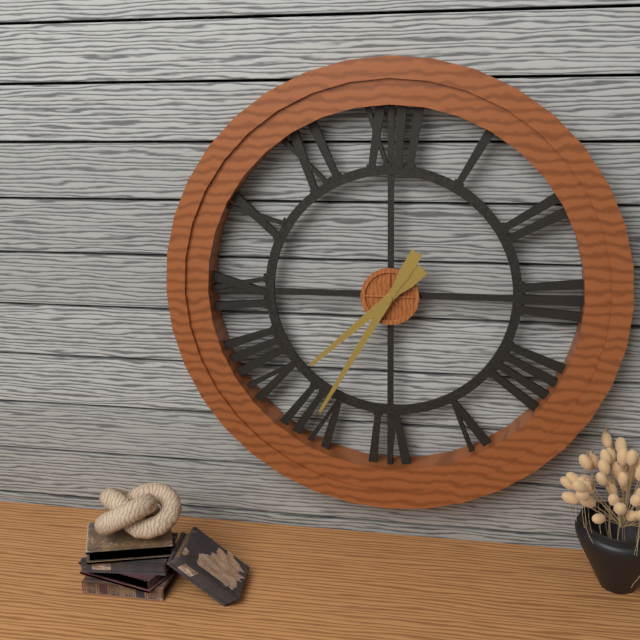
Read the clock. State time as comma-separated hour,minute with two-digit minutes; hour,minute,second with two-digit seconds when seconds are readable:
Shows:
7,35
